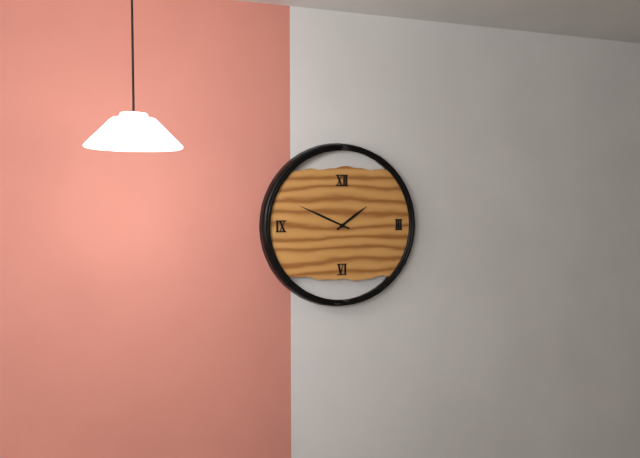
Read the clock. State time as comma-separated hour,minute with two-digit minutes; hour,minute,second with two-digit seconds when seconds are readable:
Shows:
1,49
